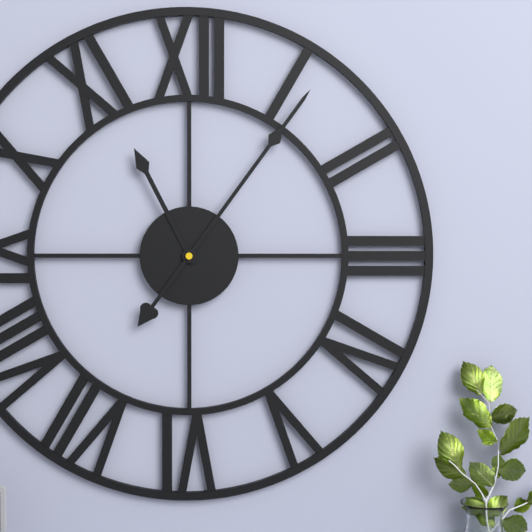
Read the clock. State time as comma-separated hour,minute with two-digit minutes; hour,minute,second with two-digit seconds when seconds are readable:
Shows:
11,06
